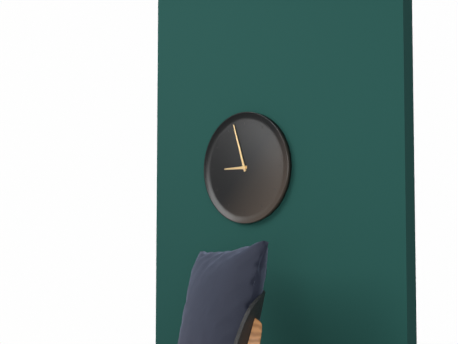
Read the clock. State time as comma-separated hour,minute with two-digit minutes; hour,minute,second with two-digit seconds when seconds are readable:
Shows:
8,57
